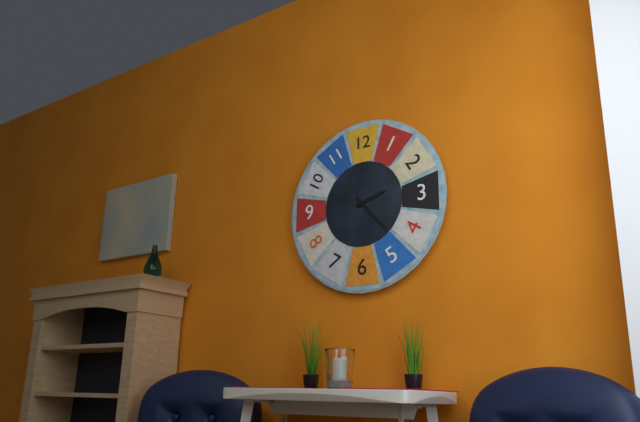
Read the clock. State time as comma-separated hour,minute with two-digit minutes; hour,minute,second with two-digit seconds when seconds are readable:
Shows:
2,23
